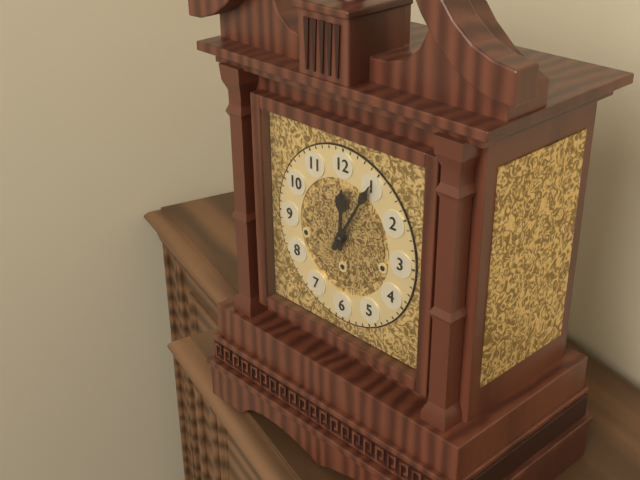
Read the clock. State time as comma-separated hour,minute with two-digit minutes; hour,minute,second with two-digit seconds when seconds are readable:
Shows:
12,05
